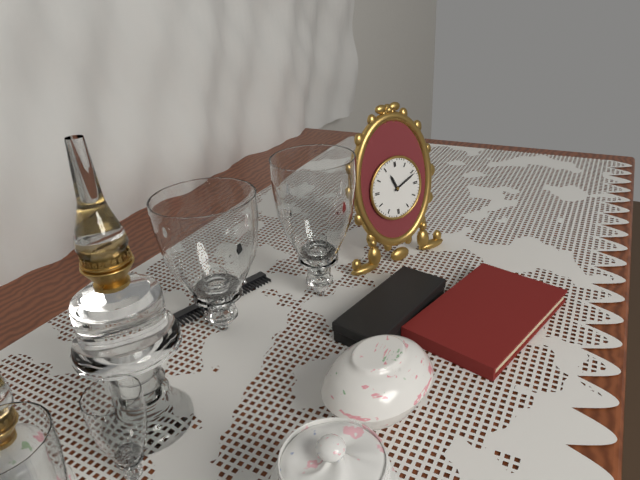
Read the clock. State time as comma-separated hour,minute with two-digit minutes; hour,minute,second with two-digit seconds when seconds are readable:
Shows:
11,11
